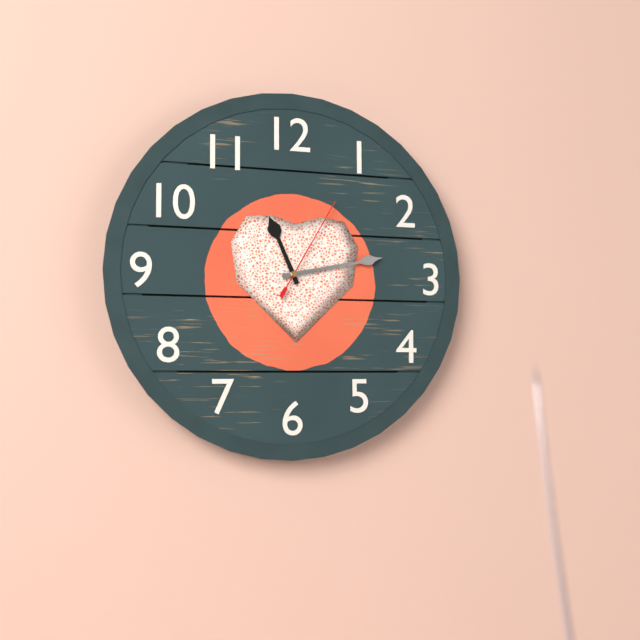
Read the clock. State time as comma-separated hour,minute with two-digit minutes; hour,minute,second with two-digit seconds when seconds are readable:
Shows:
11,13,05
